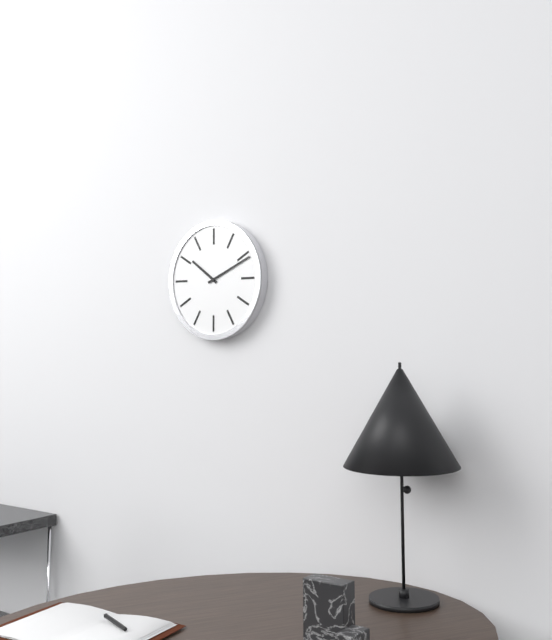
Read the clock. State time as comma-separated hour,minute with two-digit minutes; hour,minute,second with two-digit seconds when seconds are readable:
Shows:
10,11
